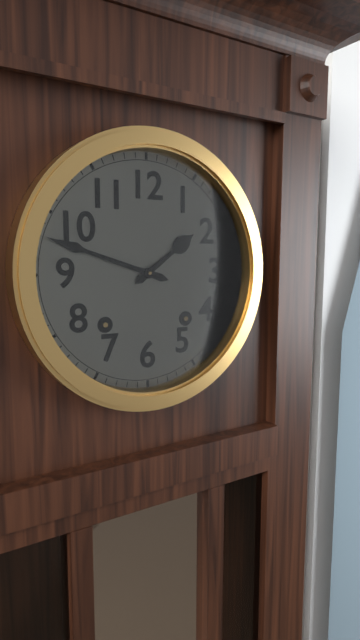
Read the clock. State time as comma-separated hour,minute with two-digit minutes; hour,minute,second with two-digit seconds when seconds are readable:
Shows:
1,48
